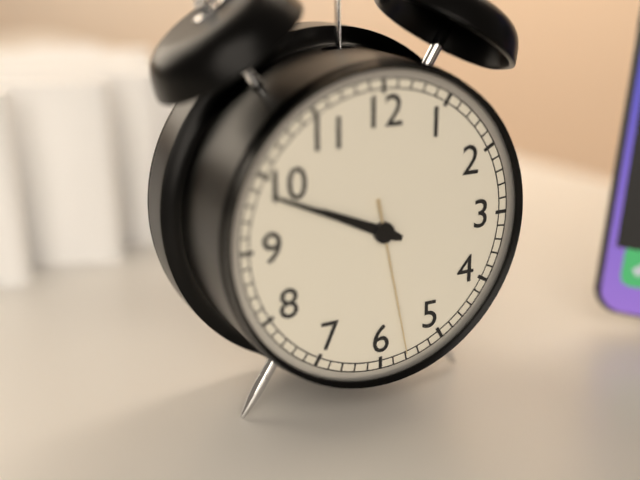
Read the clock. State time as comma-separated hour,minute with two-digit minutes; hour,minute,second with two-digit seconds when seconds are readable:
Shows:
9,49,28
